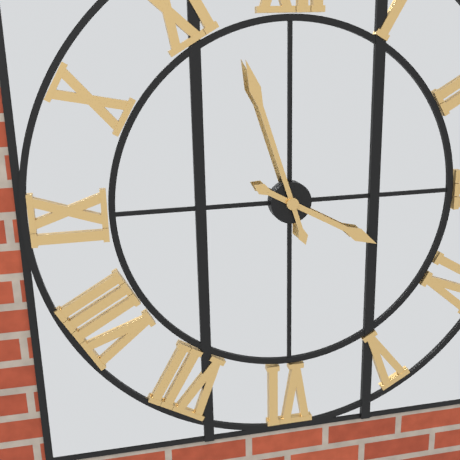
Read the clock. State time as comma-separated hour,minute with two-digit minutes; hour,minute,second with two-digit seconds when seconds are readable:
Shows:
3,57
